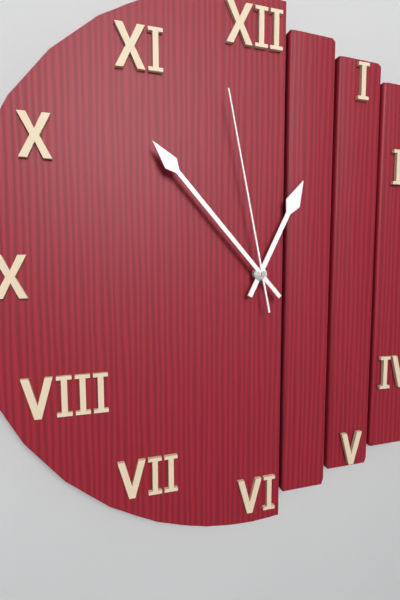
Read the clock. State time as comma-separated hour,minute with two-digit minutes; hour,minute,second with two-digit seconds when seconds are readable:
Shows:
12,53,58
